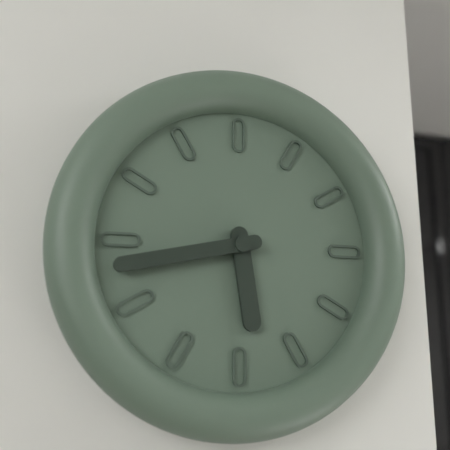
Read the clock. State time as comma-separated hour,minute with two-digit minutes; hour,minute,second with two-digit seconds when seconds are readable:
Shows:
5,43
